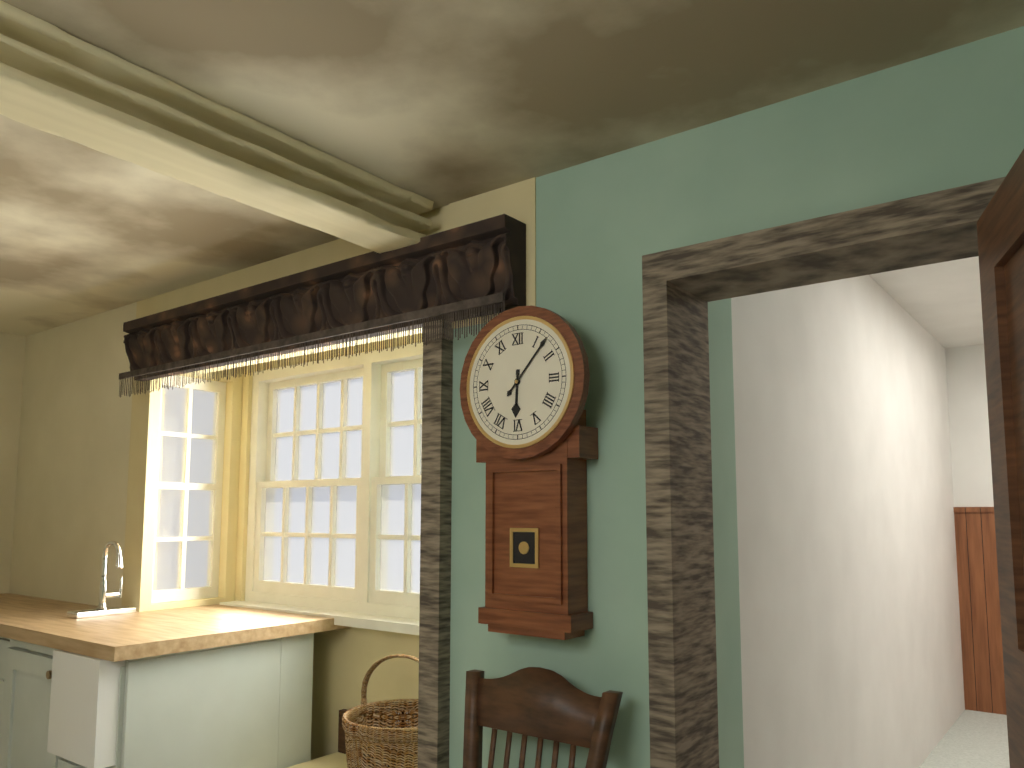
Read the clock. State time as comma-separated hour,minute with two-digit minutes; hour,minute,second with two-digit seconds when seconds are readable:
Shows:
6,07
